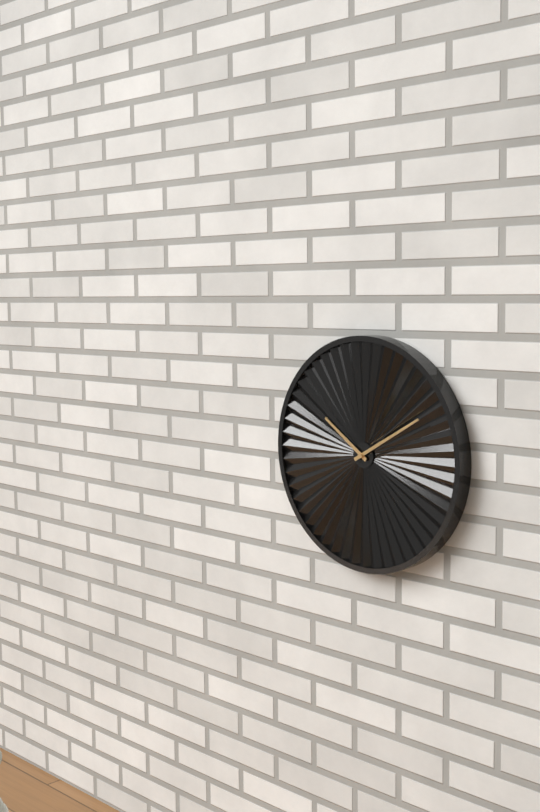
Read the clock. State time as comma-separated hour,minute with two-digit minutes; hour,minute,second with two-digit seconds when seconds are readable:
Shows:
10,10
